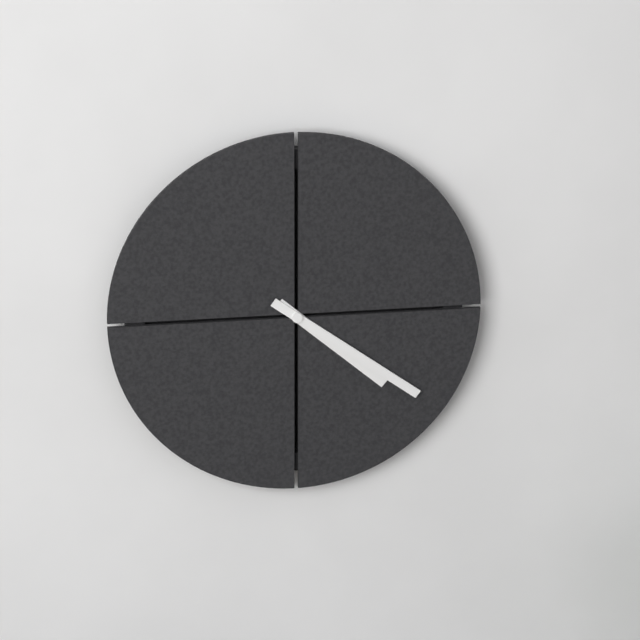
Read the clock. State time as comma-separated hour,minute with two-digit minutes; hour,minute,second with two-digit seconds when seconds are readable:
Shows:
4,21
